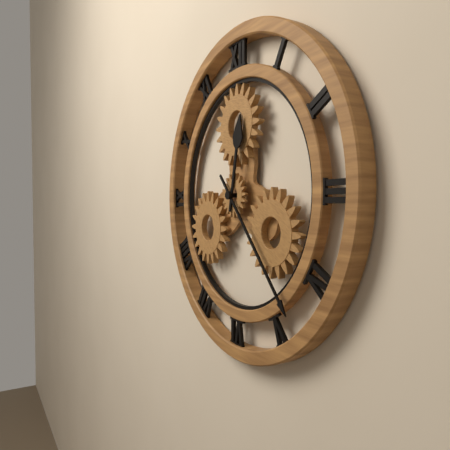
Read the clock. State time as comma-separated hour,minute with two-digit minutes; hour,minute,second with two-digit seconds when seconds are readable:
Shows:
12,23
